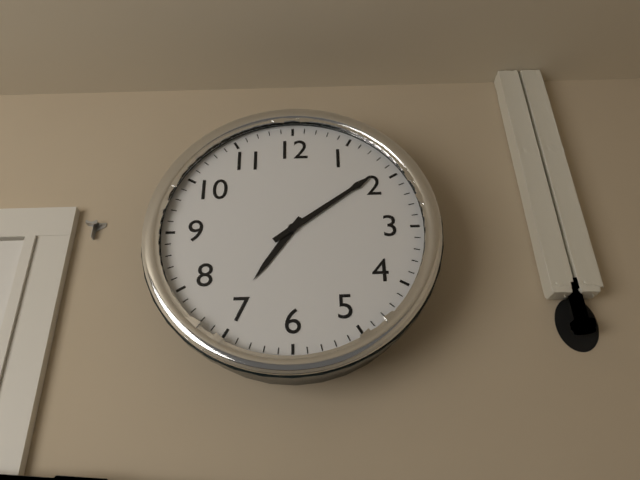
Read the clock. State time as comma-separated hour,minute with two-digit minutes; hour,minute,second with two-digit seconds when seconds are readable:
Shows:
7,09
